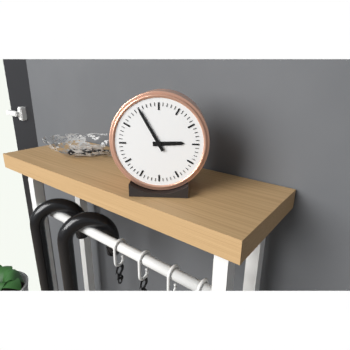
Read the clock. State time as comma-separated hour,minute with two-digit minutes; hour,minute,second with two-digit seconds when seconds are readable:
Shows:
2,55
